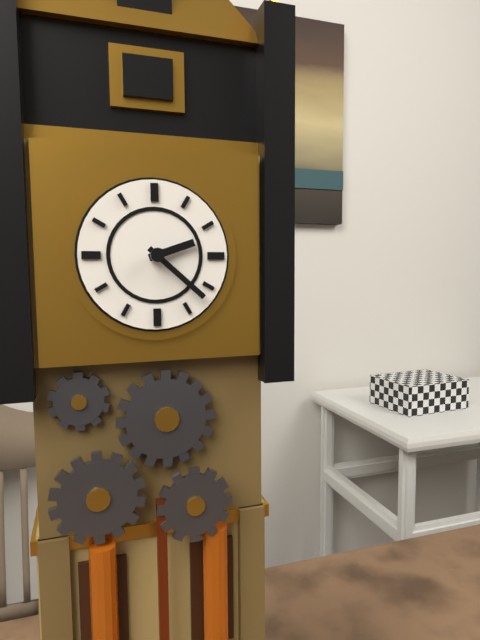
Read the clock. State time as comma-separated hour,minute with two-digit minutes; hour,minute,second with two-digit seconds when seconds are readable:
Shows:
2,22
